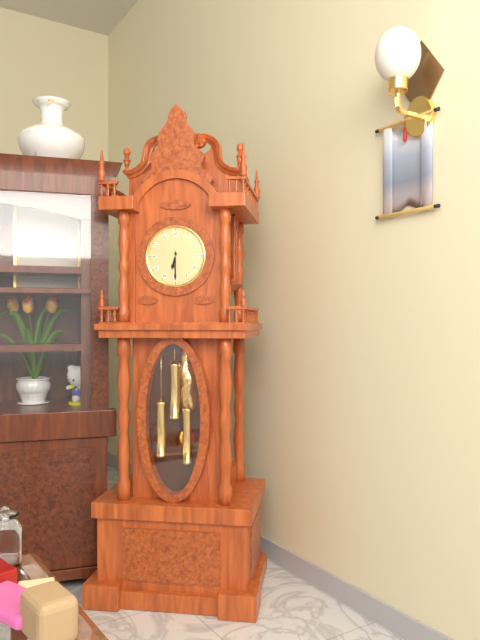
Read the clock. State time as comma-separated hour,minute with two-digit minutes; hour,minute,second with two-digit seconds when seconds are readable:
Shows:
6,30
